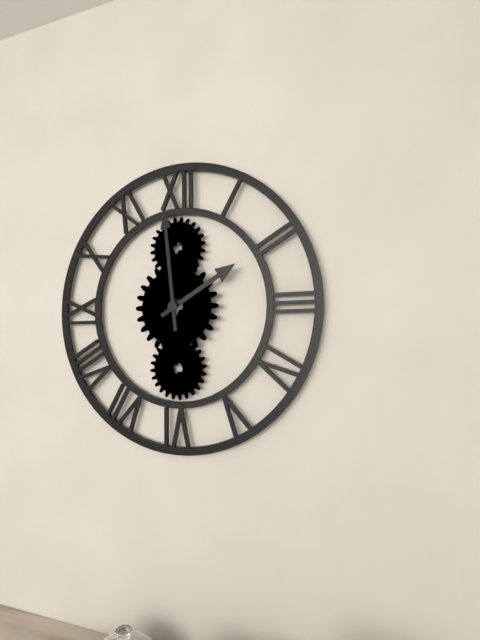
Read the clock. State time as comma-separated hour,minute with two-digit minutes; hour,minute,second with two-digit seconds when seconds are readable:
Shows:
1,59
